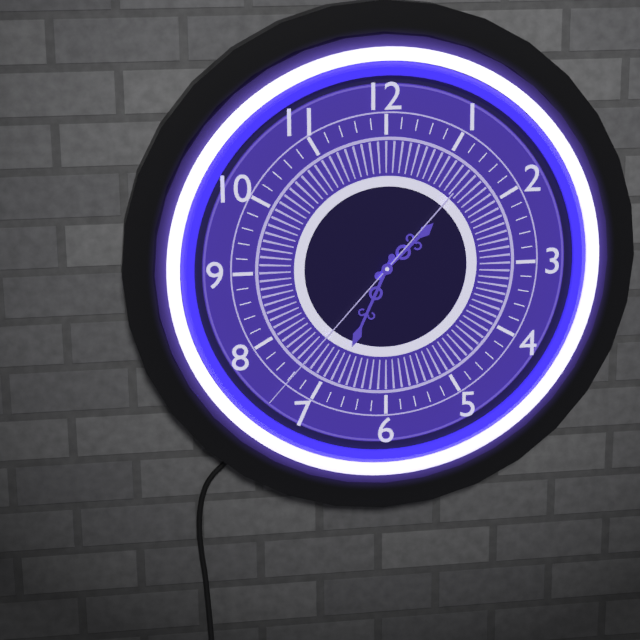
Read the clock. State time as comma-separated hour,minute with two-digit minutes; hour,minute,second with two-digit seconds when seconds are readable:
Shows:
1,34,37
